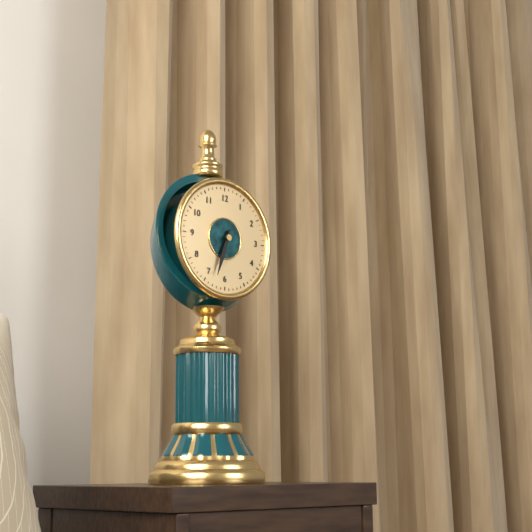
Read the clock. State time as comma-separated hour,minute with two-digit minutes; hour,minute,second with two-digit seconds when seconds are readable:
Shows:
6,33
